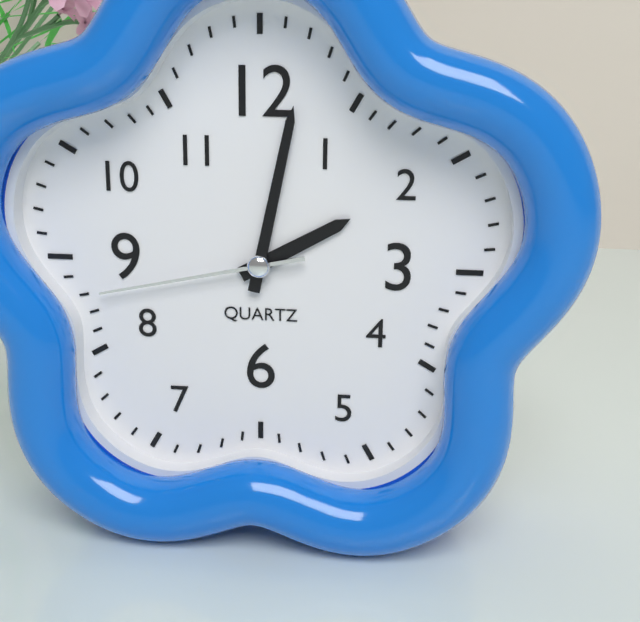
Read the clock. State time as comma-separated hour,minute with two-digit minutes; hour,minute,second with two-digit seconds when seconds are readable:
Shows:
2,02,43
